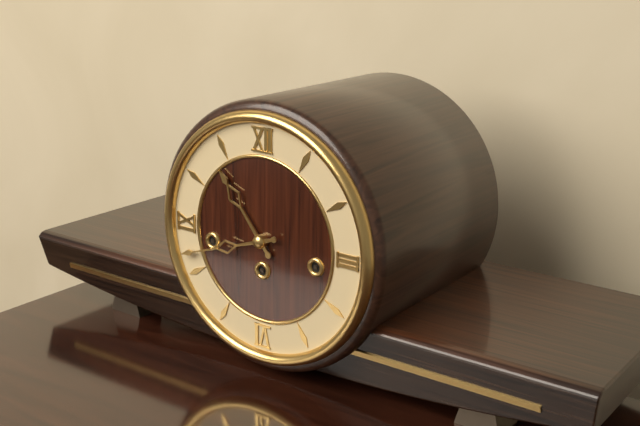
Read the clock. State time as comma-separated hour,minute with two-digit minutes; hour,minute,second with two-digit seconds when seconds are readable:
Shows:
10,42
